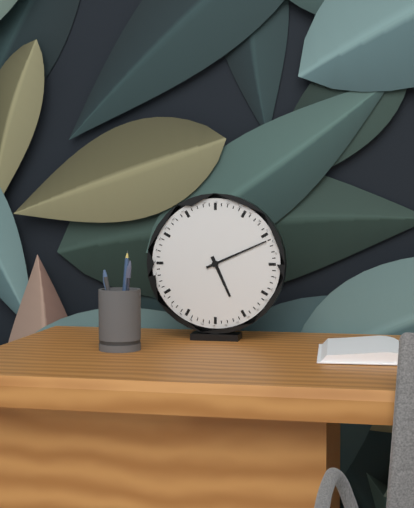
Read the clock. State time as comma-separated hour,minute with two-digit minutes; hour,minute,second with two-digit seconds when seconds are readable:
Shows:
5,11
